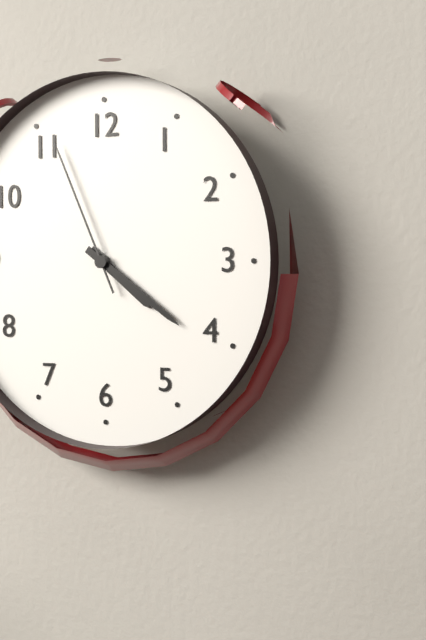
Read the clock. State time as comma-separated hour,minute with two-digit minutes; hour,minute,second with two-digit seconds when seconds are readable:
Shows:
4,21,56
